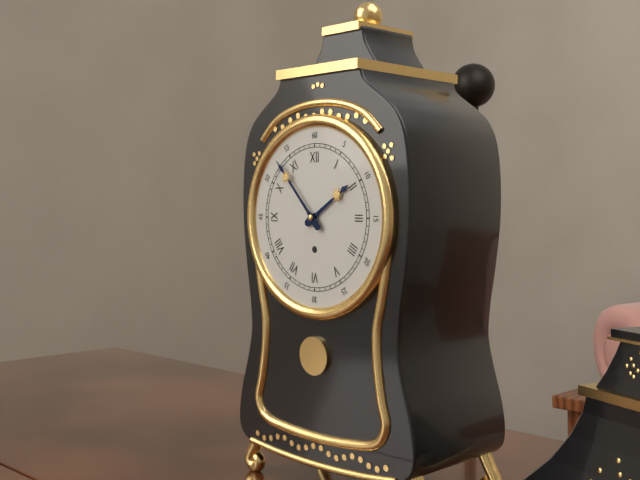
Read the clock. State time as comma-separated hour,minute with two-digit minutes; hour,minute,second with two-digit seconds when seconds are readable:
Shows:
1,53
